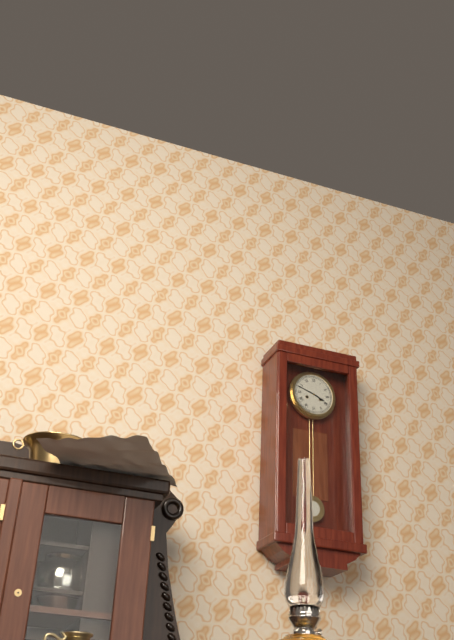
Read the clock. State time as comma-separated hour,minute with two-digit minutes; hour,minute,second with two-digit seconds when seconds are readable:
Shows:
3,48
